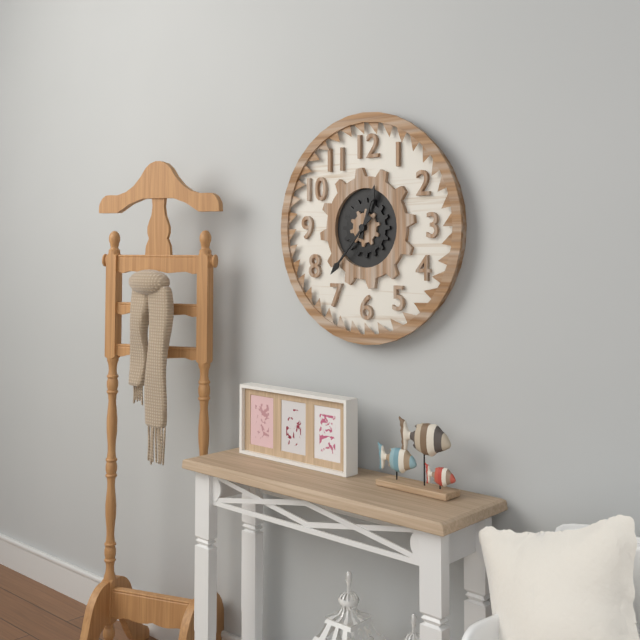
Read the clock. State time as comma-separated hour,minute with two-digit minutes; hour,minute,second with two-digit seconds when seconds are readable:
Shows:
12,37
